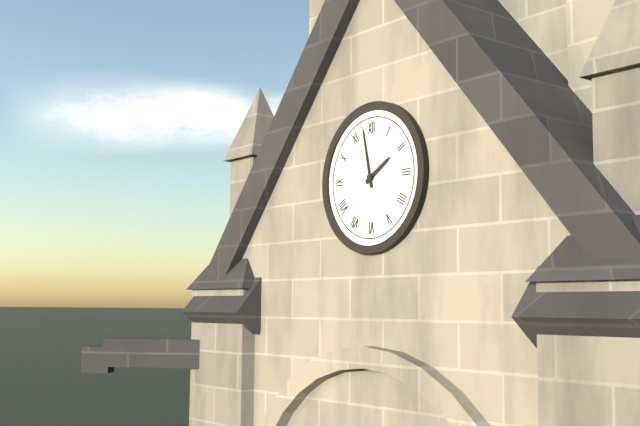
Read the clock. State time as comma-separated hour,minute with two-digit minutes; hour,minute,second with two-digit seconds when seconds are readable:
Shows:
1,58
